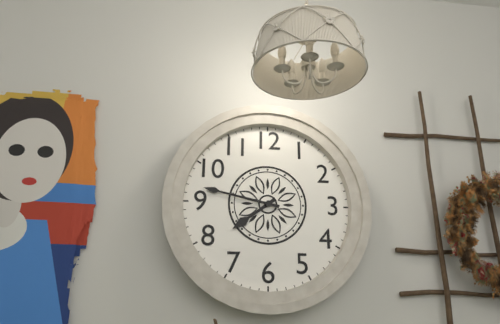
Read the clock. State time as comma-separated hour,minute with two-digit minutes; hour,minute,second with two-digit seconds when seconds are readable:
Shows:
7,47
